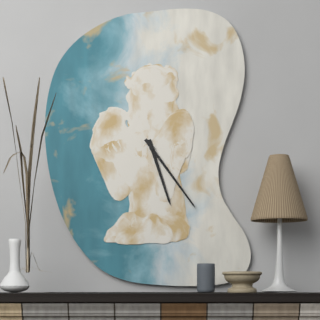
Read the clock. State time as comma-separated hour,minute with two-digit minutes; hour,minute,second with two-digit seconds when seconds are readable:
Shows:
5,24
